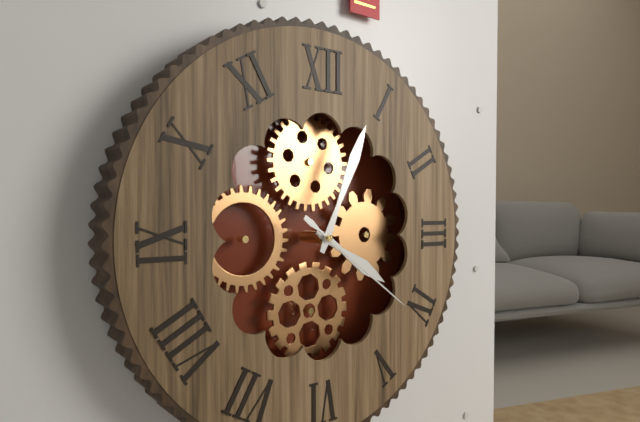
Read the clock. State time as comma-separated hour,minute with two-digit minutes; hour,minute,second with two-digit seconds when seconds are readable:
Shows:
4,04,21
